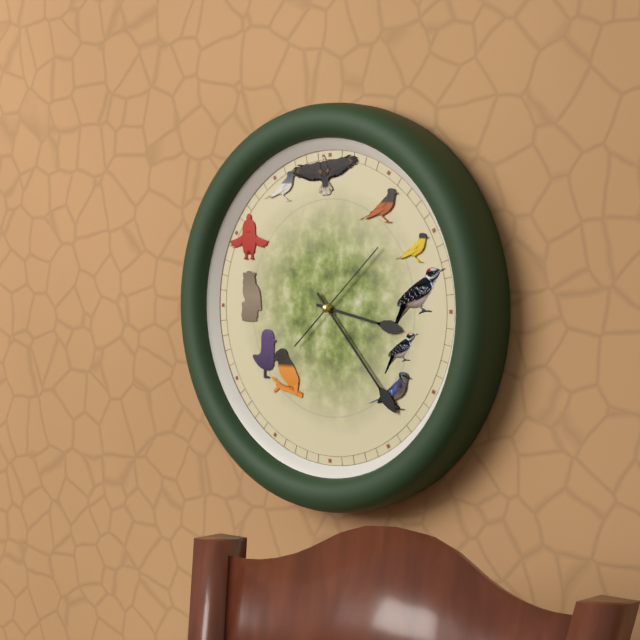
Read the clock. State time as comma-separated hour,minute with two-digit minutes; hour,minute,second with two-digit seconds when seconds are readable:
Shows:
3,23,08
